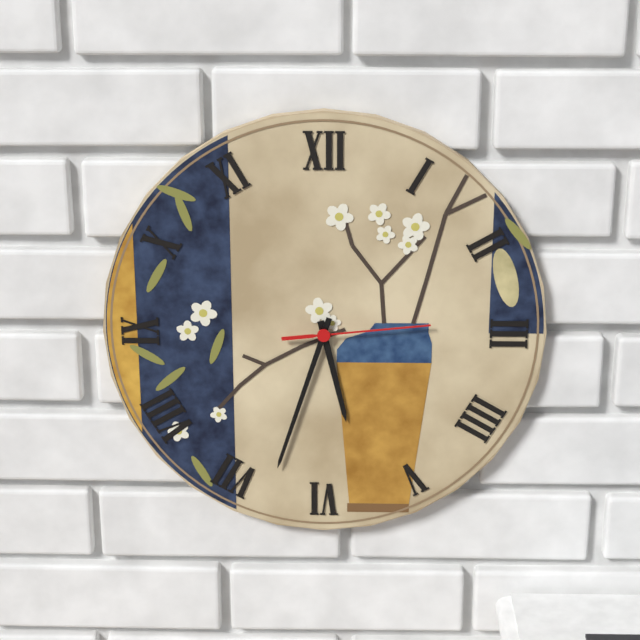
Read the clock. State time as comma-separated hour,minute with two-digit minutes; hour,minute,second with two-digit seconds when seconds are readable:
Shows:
5,33,14
